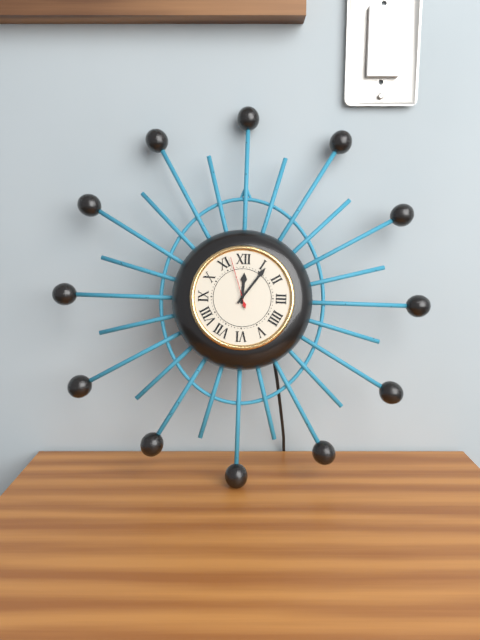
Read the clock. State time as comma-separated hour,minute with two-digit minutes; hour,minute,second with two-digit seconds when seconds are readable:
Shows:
12,06,57
